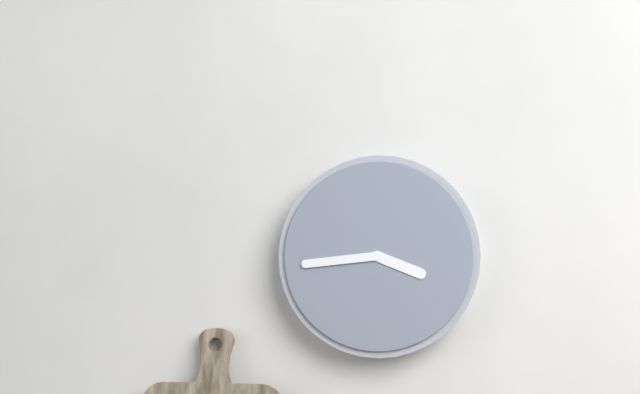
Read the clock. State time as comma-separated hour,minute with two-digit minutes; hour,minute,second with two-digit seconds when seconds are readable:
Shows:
3,44
